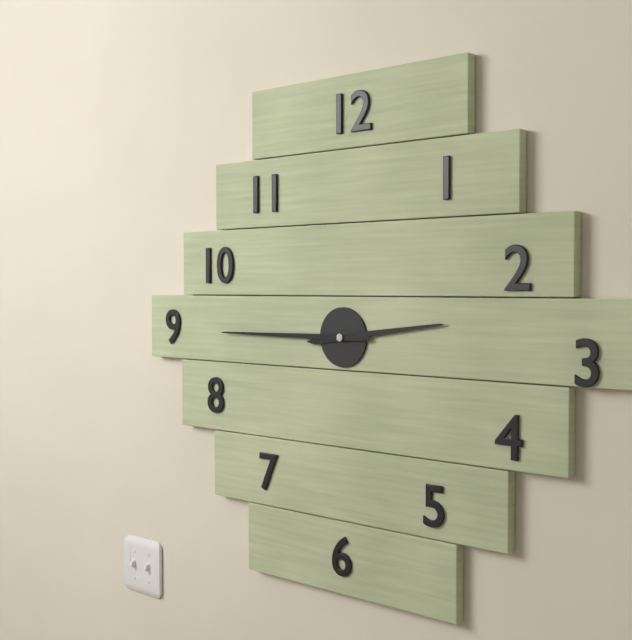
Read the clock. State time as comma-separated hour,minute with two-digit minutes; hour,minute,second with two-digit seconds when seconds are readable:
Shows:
2,45
